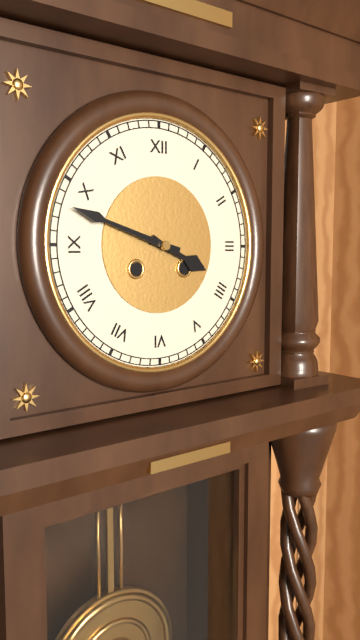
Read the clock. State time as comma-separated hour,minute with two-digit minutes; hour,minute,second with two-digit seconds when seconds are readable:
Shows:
3,48
